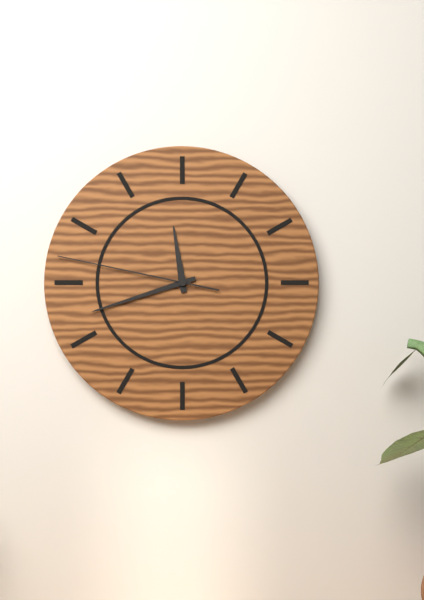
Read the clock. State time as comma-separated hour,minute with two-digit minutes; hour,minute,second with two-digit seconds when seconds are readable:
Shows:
11,42,47
